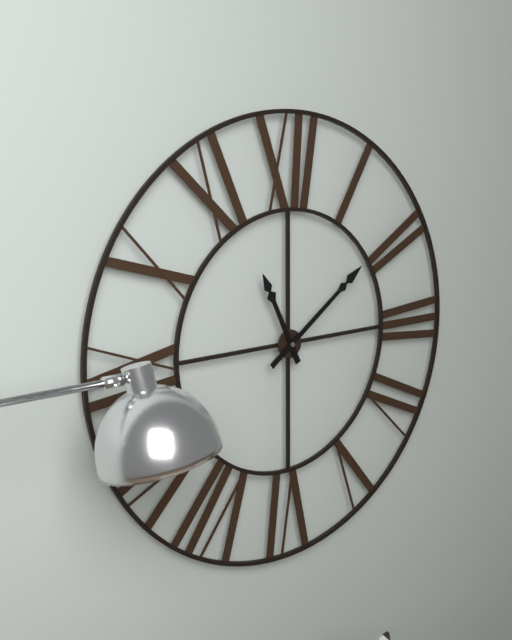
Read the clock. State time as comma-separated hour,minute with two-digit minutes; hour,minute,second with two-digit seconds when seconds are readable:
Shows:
11,09
